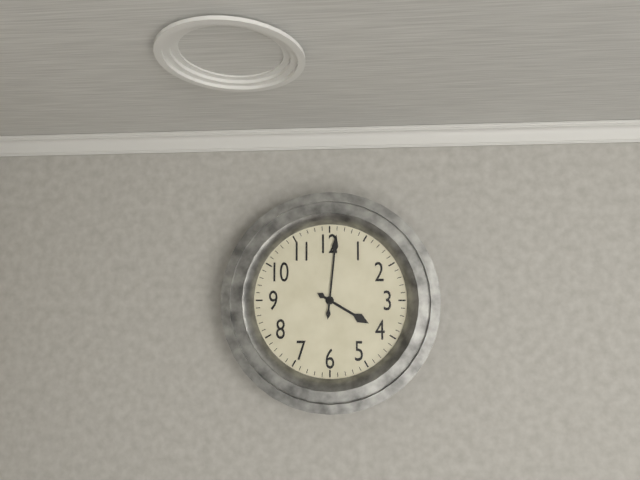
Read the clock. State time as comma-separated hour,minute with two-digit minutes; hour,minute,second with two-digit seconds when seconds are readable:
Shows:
4,01
